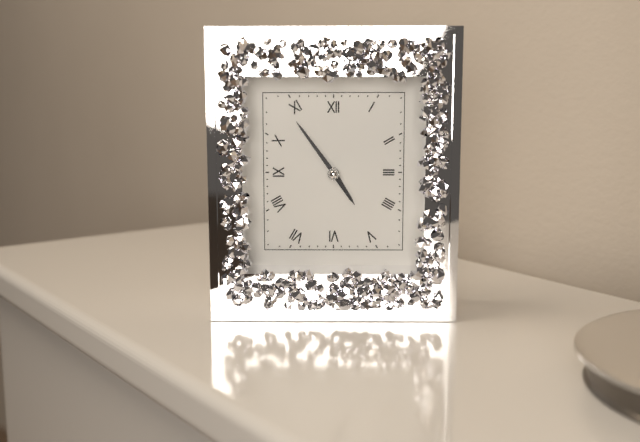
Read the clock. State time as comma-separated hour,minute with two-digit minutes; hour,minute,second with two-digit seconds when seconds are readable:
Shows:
4,54
